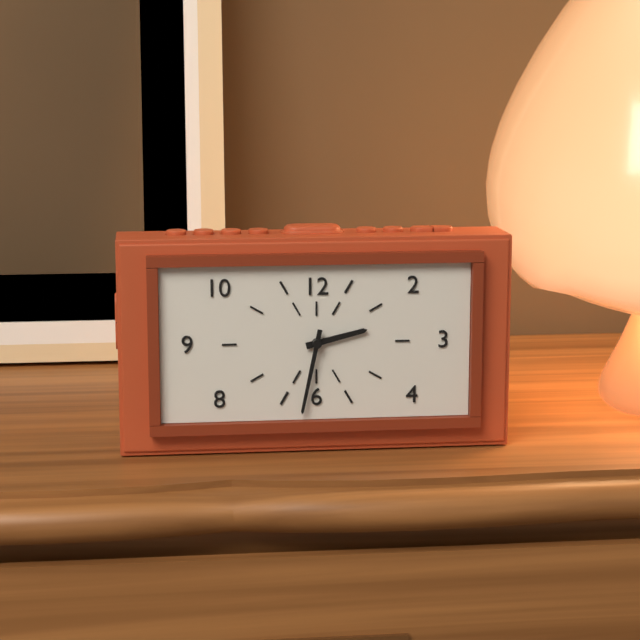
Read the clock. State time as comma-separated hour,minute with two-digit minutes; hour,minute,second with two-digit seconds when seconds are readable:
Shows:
2,32
